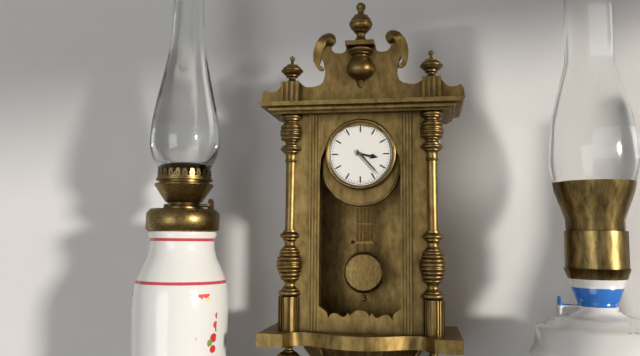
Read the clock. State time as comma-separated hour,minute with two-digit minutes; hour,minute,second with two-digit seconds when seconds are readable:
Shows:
3,23
